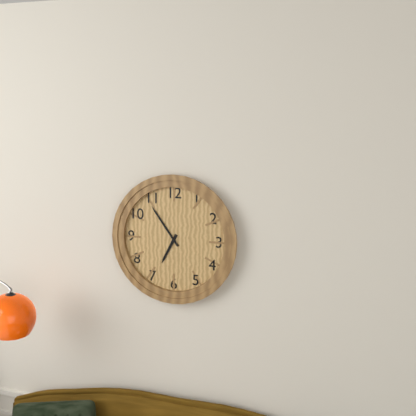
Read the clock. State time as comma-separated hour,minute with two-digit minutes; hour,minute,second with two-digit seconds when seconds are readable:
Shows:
6,54
